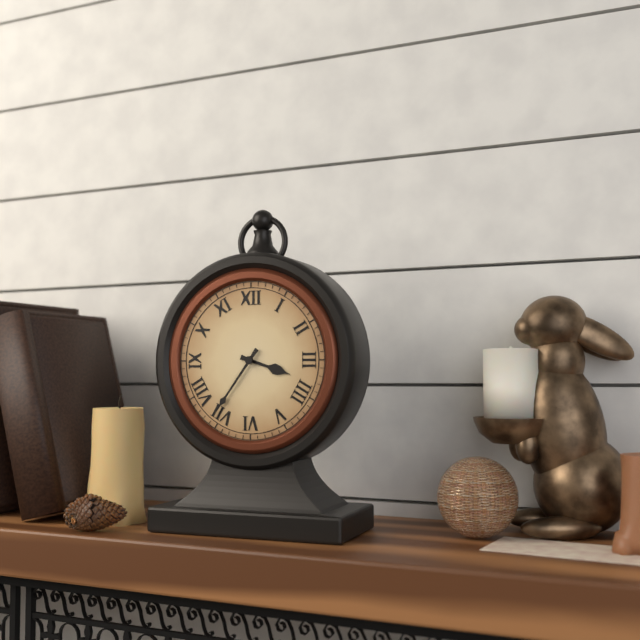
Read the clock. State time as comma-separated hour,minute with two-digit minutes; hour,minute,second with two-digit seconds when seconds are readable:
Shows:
3,36
